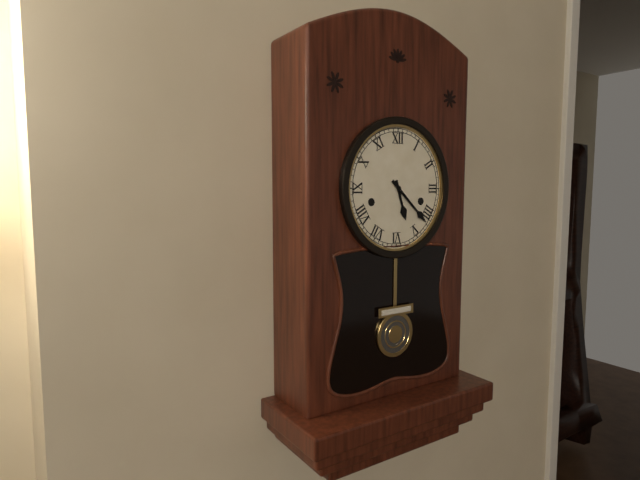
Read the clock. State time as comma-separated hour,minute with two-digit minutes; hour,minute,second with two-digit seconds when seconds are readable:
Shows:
5,22
